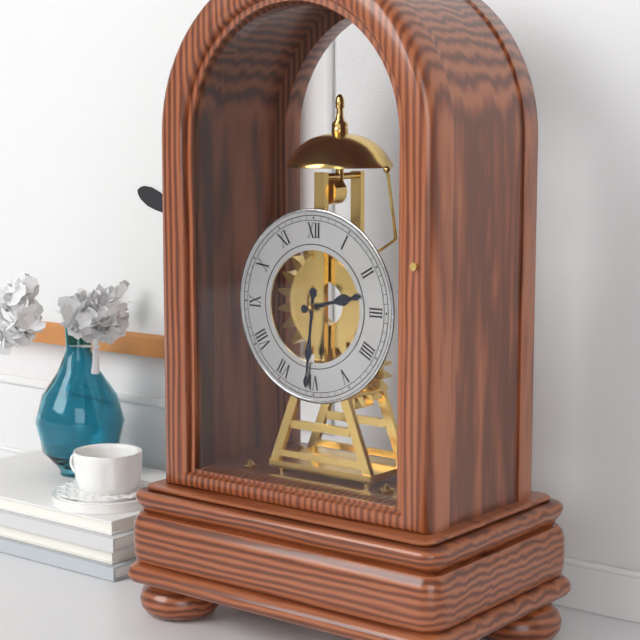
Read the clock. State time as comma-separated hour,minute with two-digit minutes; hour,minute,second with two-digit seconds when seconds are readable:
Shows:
2,31
